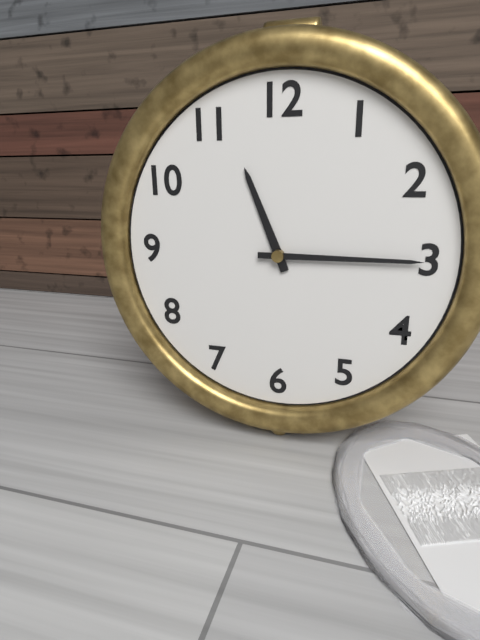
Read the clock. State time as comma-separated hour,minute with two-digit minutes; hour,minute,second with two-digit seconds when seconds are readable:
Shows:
11,15
